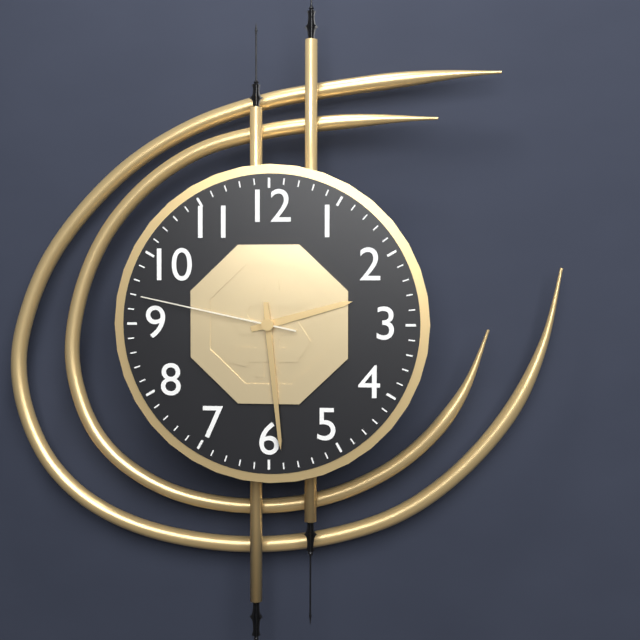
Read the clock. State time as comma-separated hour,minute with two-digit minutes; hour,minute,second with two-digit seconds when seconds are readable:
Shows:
2,29,47
